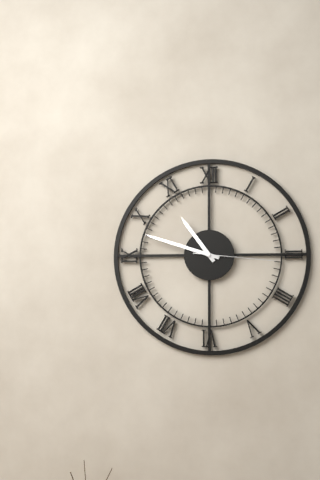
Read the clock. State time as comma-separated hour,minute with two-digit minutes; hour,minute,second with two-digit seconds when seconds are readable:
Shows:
10,48,16
